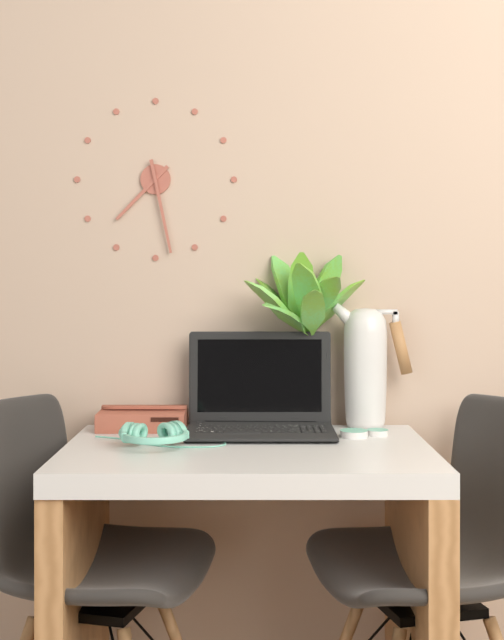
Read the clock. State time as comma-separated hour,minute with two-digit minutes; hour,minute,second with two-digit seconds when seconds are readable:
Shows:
7,28
